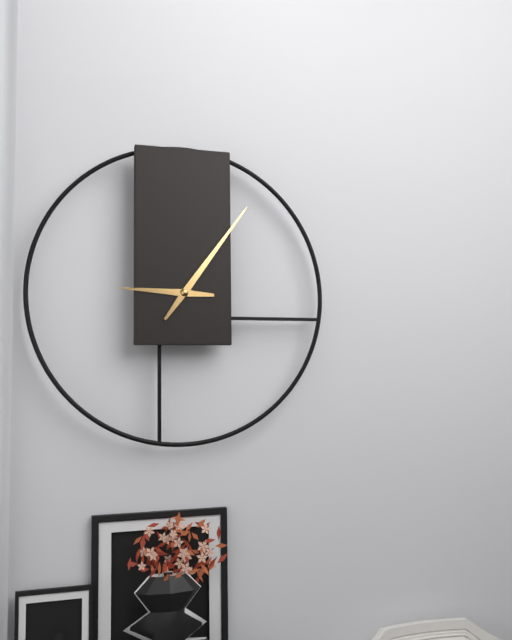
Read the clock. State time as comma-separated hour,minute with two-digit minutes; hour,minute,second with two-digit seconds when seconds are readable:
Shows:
9,06
